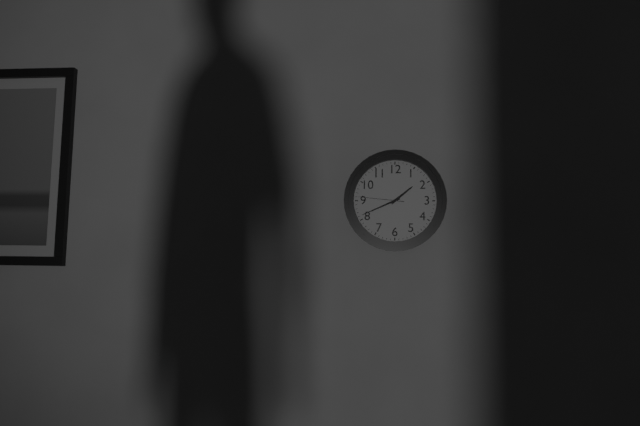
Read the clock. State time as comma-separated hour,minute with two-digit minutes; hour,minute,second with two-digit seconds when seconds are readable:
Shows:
1,41
